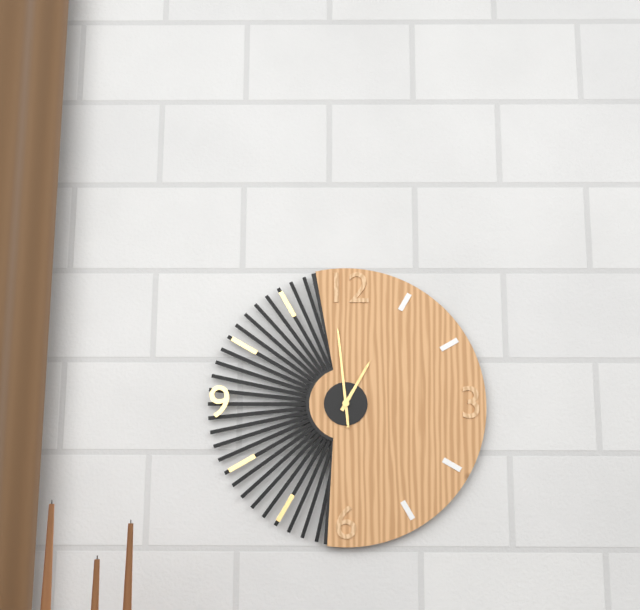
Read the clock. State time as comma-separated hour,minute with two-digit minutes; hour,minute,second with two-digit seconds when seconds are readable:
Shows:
12,59
